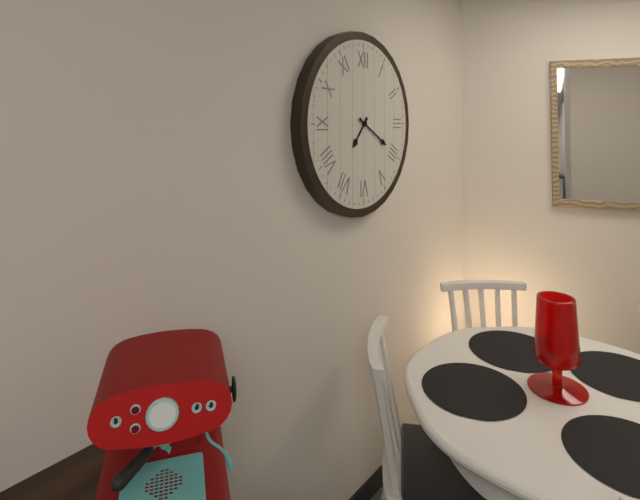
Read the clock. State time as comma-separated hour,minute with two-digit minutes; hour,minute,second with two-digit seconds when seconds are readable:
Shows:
7,20
